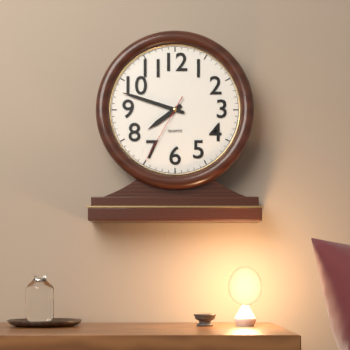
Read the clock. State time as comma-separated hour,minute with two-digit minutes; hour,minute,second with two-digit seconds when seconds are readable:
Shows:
7,48,35
